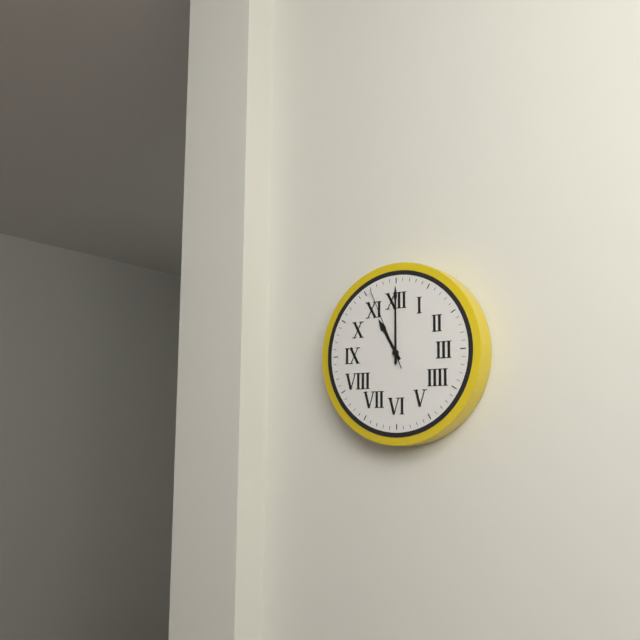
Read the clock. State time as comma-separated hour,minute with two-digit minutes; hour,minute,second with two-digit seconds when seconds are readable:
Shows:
11,00,56
